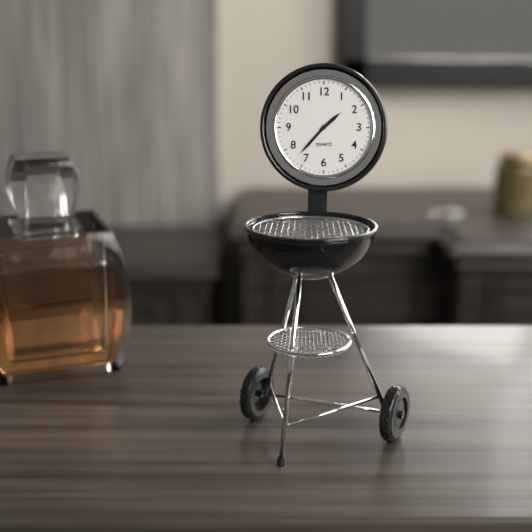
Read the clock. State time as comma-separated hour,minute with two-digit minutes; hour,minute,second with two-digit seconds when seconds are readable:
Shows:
1,37
